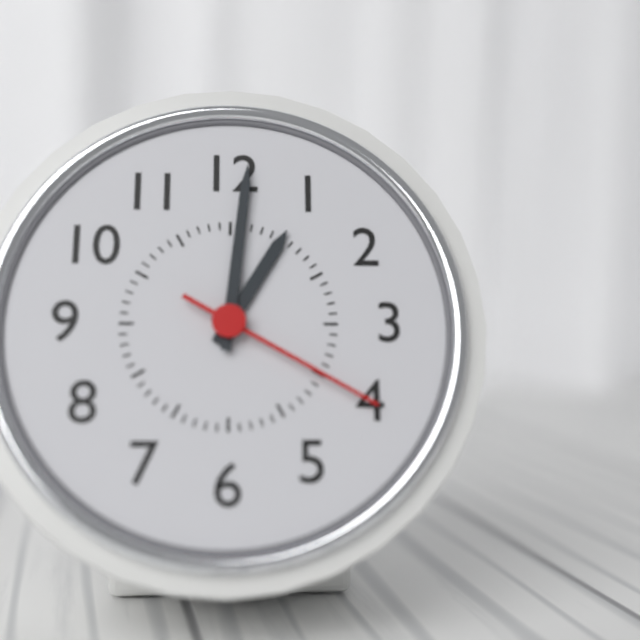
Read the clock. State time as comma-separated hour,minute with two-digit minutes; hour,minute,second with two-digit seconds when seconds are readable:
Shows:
1,01,20
